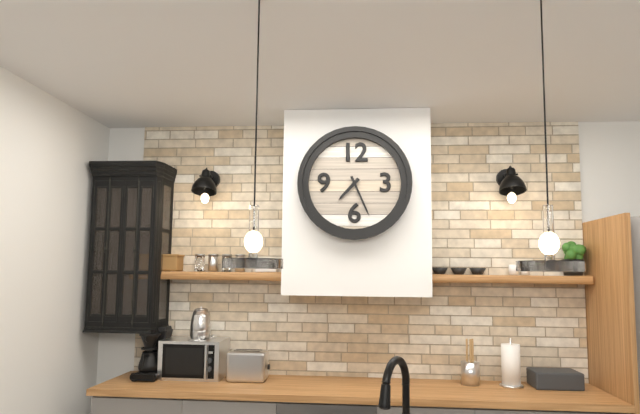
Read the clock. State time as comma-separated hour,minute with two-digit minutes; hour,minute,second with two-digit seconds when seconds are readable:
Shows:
7,26
